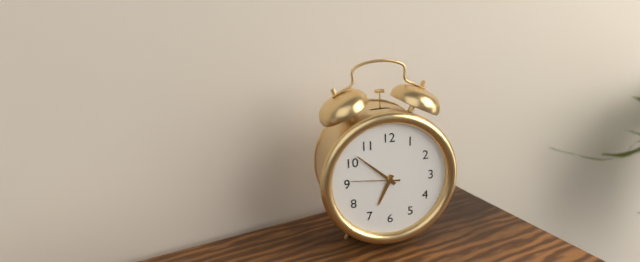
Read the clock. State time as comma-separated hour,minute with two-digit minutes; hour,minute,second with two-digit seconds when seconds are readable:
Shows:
6,52,46
